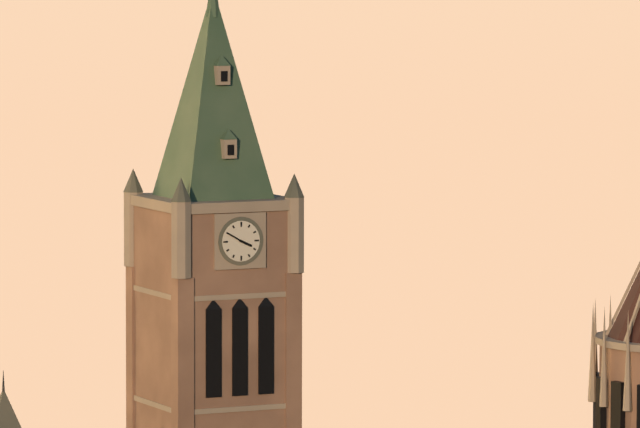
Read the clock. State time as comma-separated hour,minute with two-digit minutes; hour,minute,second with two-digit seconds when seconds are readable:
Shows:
3,50
